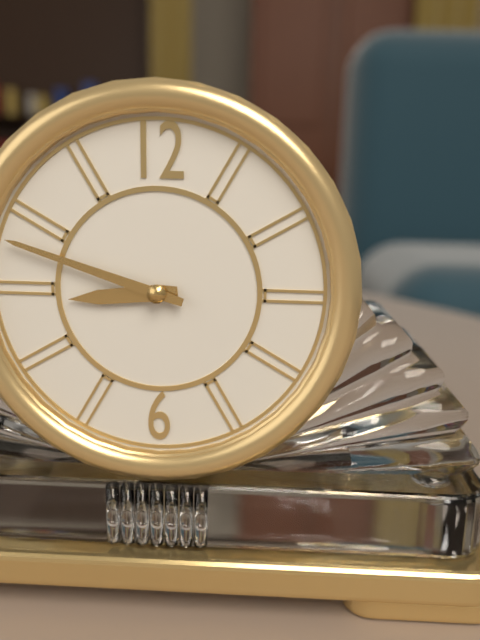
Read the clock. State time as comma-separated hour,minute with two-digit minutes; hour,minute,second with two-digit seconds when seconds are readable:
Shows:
8,48
